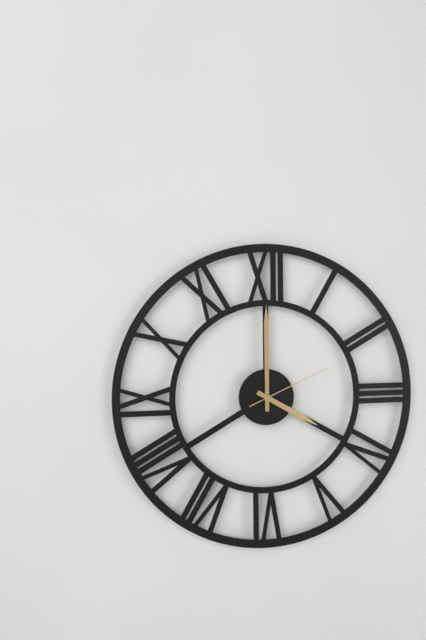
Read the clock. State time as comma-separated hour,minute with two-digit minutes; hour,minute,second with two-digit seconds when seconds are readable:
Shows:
4,00,11
